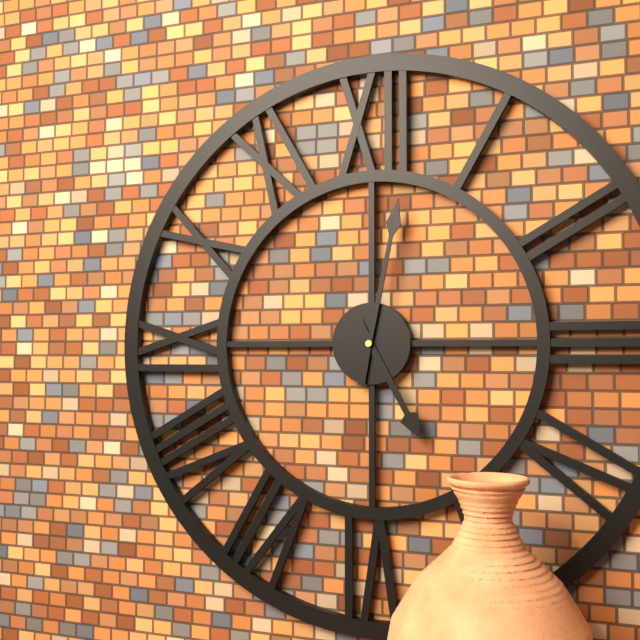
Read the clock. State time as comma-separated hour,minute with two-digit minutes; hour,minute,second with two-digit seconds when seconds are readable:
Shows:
5,02
